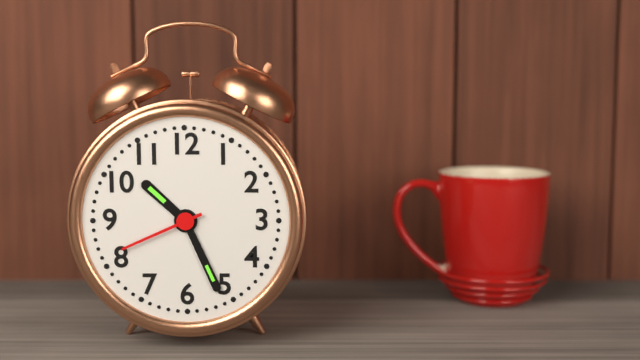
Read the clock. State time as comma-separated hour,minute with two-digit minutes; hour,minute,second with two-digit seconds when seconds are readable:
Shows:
10,26,41
